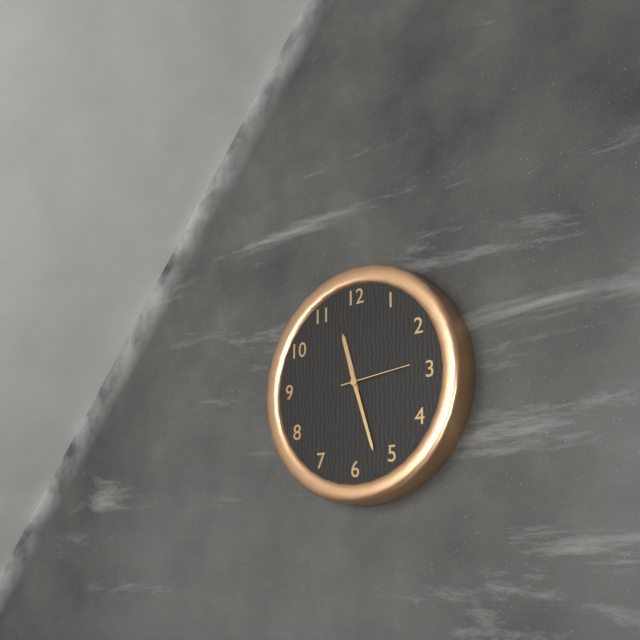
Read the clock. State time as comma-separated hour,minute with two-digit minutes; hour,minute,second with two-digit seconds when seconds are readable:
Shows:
11,27,14
